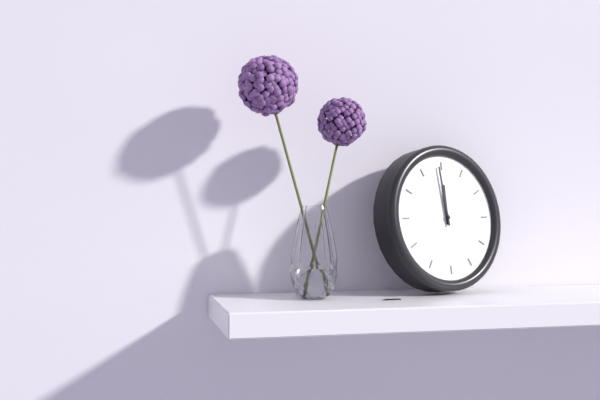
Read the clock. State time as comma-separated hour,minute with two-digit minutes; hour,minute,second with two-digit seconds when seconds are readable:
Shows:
11,59
